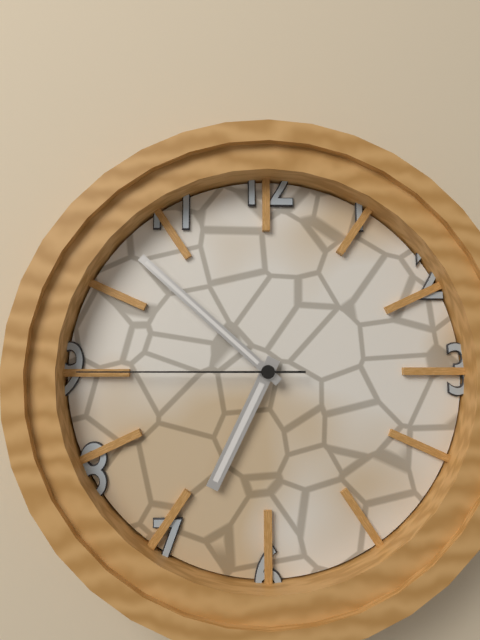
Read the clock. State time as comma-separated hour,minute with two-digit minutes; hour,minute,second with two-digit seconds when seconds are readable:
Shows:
6,52,45
